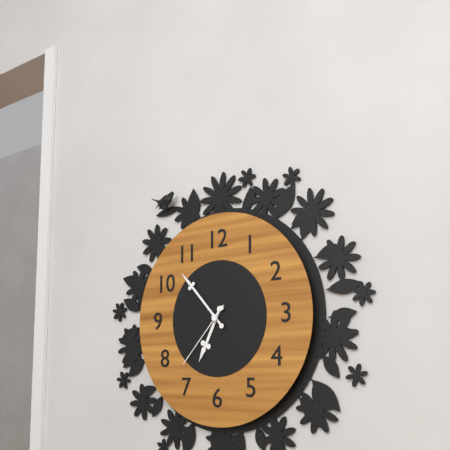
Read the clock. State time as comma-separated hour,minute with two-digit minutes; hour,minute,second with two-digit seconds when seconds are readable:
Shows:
6,53,37
